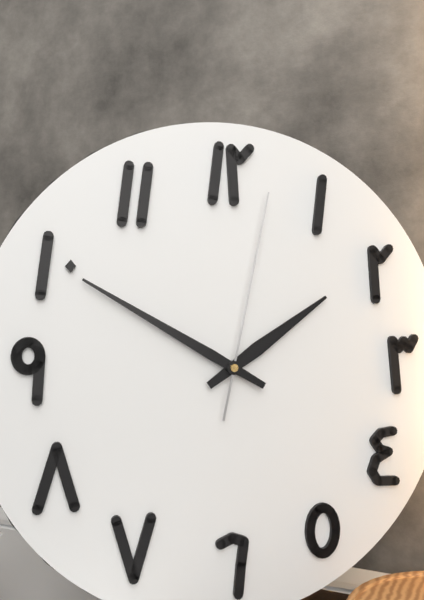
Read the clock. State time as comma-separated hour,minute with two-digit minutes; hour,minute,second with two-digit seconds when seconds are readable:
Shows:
1,50,02
